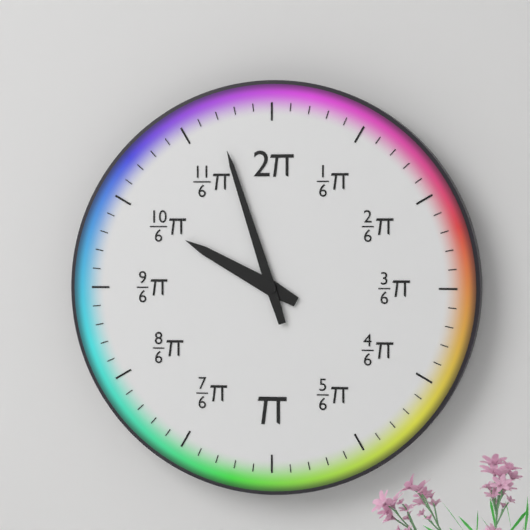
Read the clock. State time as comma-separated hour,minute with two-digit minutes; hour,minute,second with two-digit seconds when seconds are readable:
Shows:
9,57
